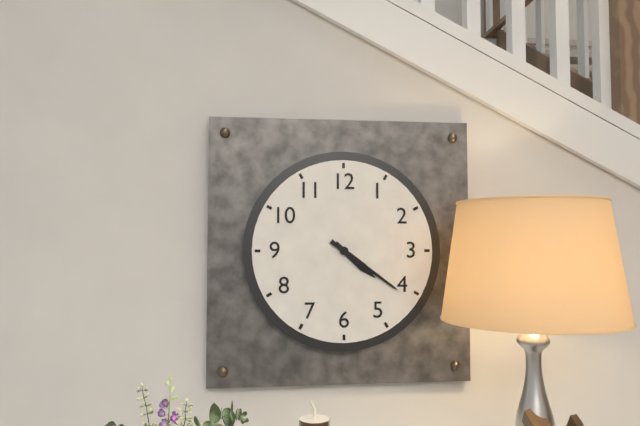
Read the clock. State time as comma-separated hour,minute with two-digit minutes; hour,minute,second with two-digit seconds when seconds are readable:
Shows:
4,21
